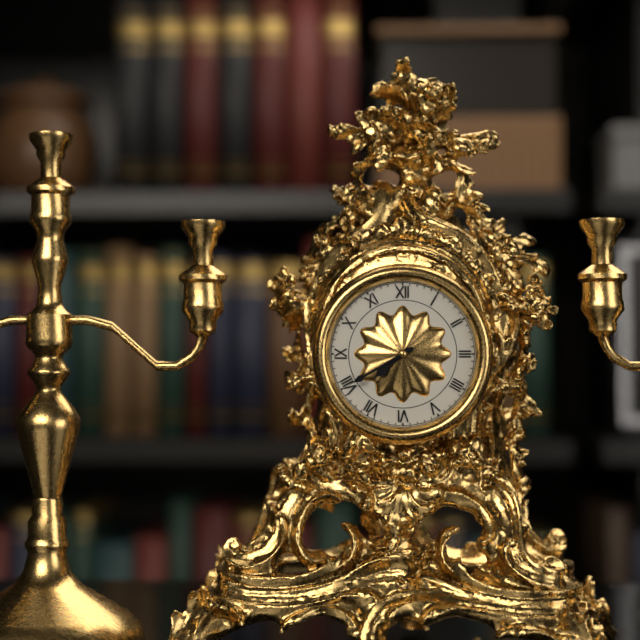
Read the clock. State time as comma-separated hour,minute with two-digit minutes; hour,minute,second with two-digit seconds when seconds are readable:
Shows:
7,40
